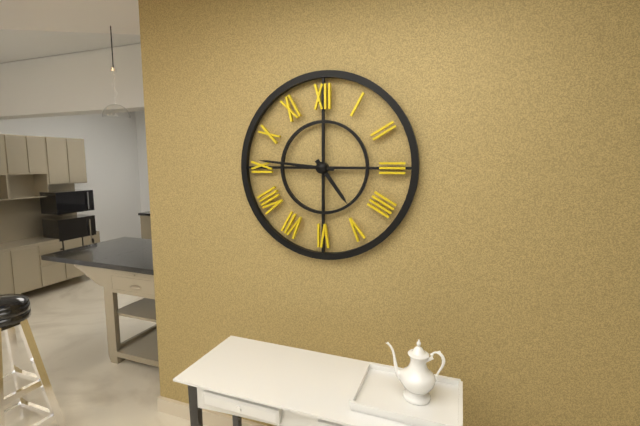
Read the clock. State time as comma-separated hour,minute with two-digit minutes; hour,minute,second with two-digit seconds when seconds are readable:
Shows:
4,46
